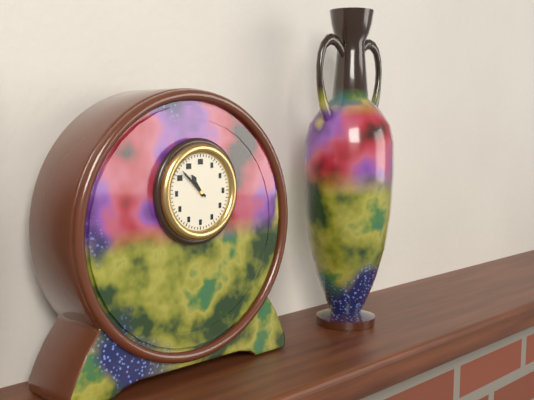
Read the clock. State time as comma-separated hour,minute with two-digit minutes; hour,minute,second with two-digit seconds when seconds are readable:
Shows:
10,52
